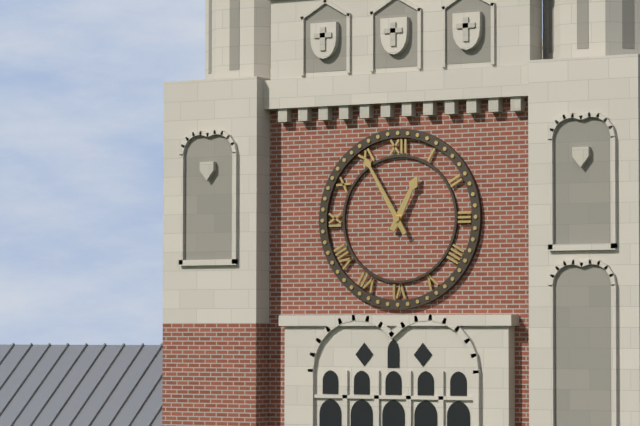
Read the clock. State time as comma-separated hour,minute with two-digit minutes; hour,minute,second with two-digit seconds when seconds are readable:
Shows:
12,55
